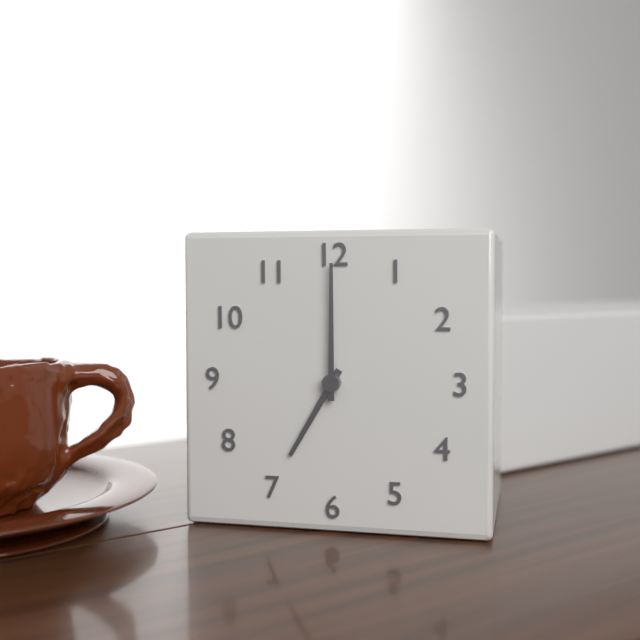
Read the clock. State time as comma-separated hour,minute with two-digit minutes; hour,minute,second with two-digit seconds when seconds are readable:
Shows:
7,00
